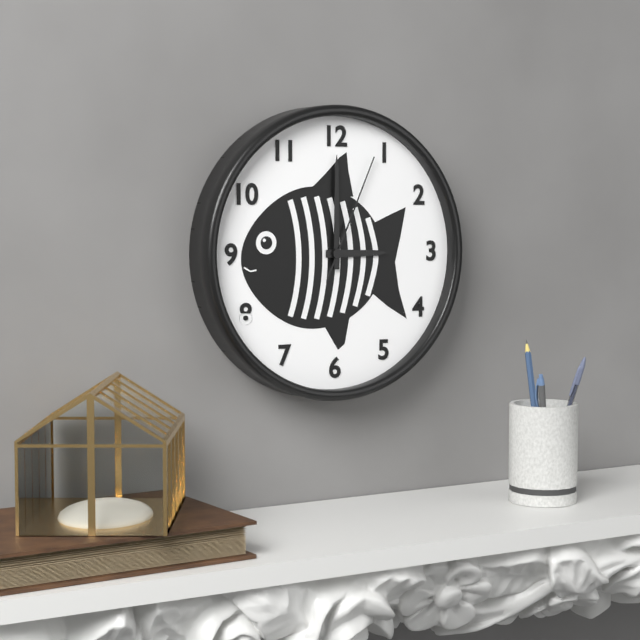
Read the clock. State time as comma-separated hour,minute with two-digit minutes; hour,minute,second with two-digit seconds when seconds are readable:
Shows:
3,00,04
